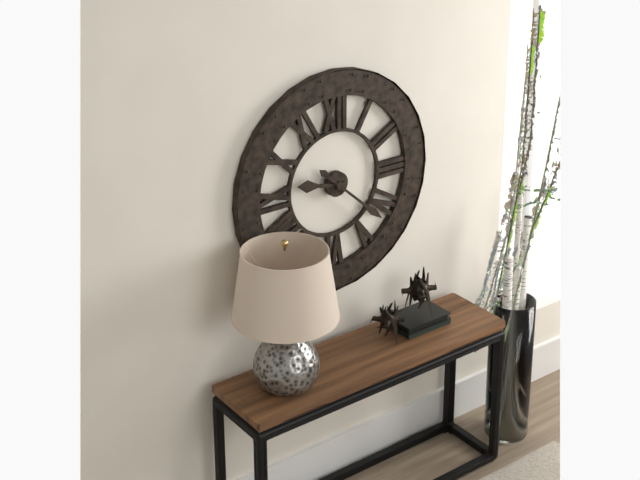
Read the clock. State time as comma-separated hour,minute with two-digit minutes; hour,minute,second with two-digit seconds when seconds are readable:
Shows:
9,22
